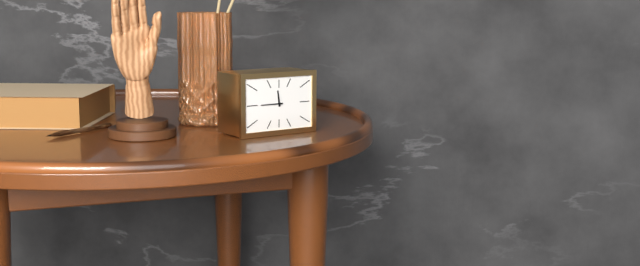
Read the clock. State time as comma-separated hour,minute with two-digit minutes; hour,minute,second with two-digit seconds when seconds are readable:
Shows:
11,45
